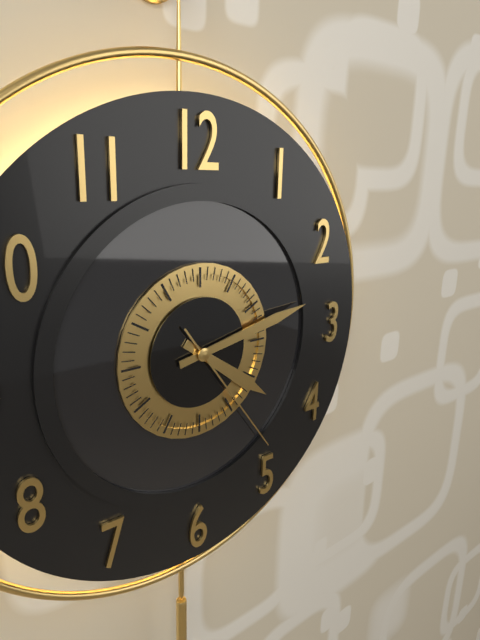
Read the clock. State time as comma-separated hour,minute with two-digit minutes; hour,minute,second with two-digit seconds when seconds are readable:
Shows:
4,13,24
